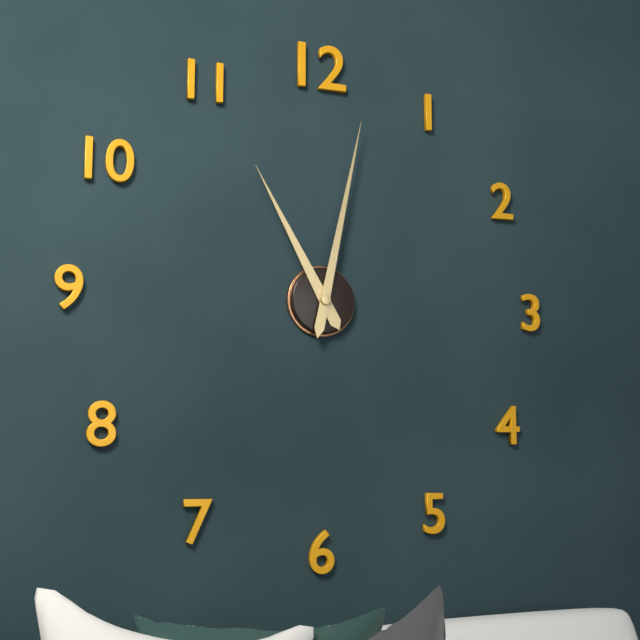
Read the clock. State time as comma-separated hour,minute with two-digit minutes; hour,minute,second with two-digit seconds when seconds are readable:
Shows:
11,02
